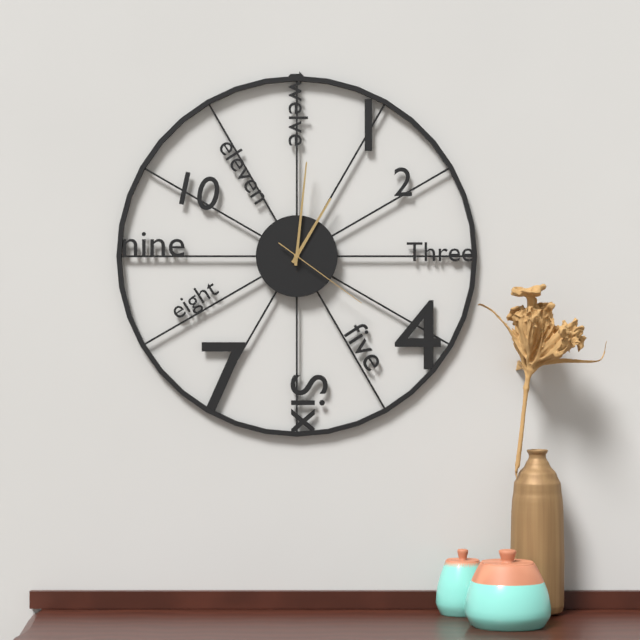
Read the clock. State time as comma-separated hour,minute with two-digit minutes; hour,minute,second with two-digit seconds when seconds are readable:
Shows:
1,01,21
